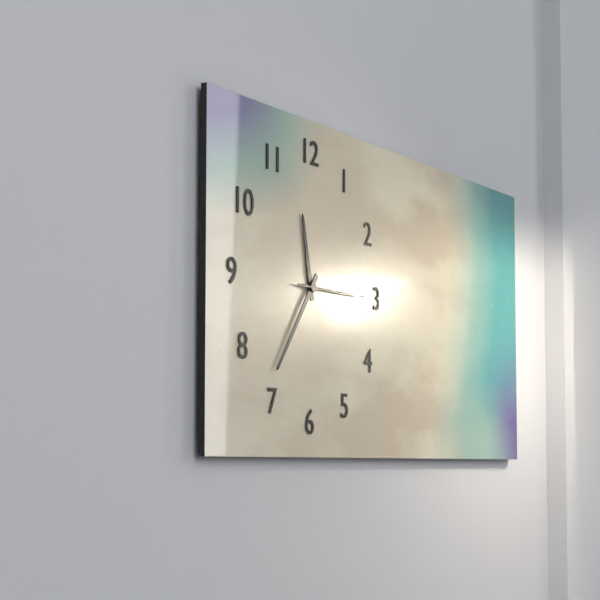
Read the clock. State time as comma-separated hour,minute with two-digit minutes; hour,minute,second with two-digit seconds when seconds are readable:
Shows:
11,36,15
